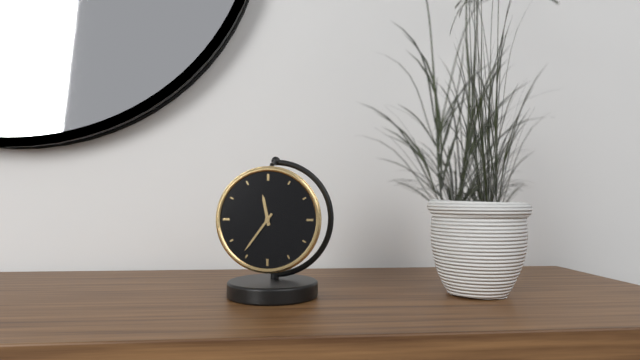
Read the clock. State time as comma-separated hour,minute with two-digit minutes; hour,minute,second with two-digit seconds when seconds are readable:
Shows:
11,36
